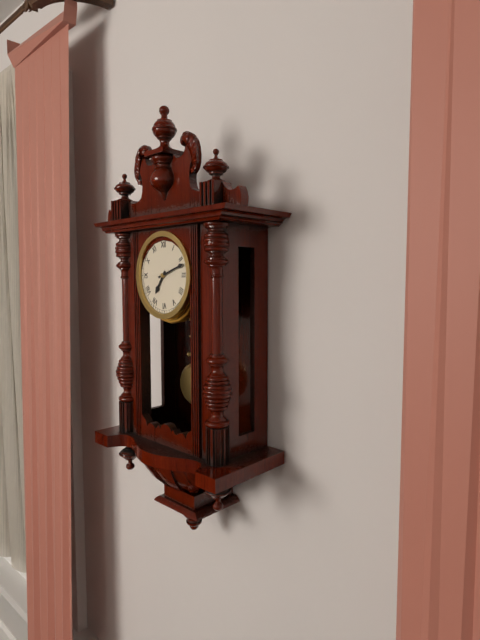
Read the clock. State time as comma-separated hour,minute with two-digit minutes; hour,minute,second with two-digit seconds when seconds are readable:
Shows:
7,12
